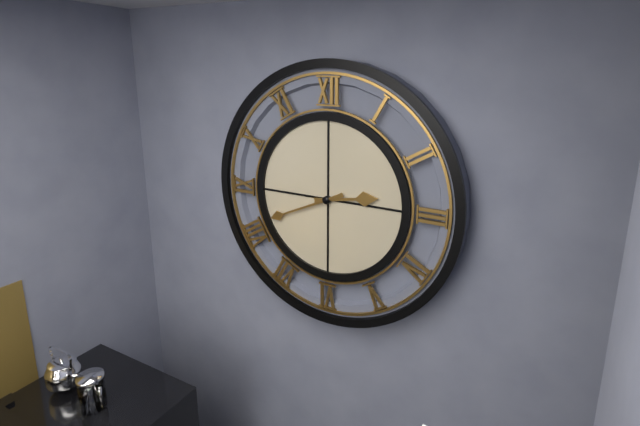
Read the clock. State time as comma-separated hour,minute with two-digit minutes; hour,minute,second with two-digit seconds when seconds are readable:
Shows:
2,41
